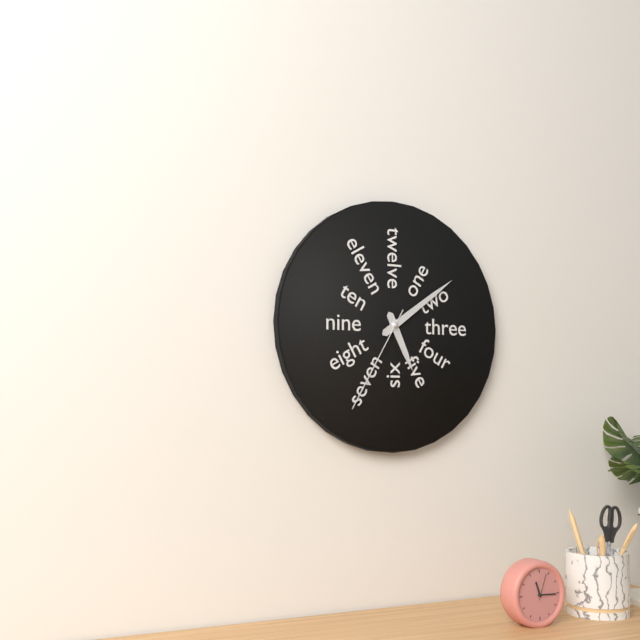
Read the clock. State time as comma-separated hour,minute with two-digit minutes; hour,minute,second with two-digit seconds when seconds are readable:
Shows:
5,09,35
